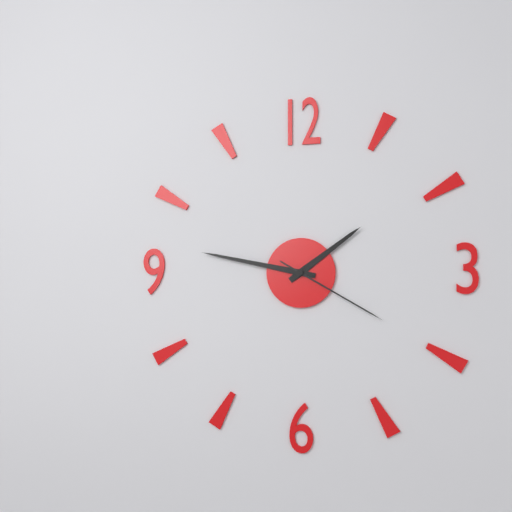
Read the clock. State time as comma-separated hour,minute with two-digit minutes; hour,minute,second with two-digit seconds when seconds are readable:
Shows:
1,47,20
